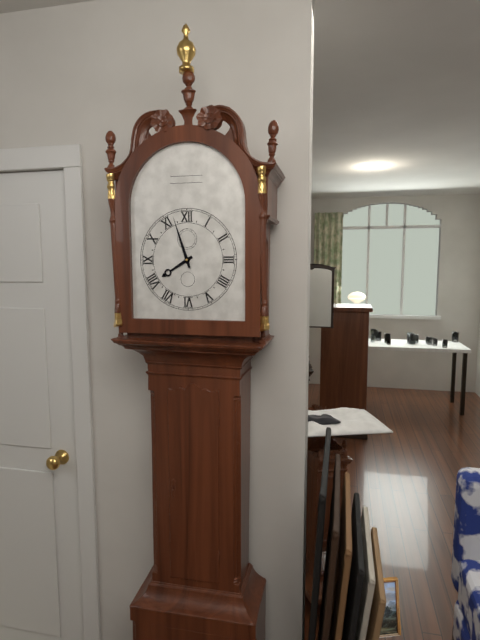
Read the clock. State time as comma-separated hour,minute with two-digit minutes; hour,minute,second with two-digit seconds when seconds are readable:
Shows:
7,57
